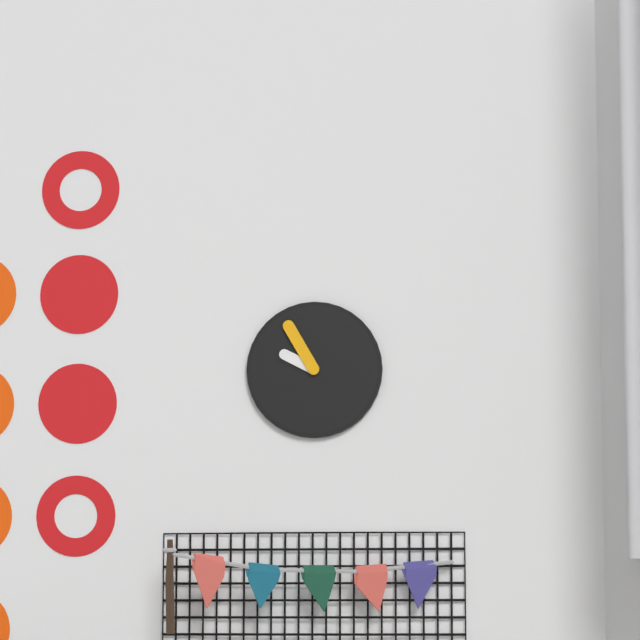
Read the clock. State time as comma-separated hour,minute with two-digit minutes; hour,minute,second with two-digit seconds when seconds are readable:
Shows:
9,55
